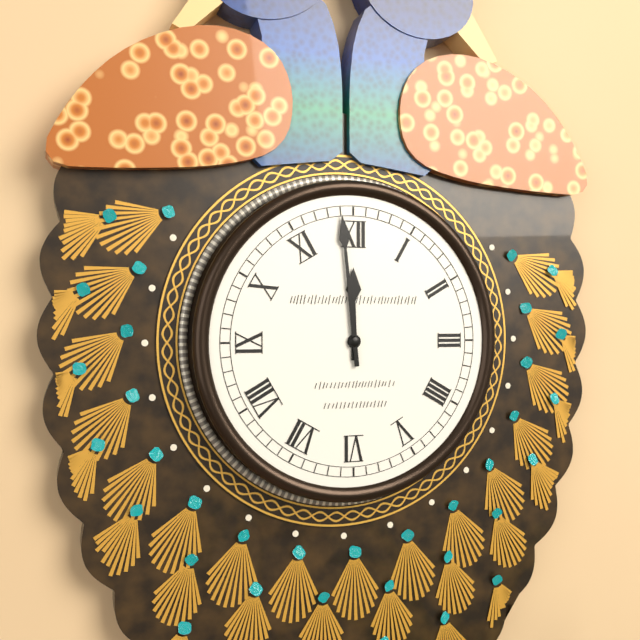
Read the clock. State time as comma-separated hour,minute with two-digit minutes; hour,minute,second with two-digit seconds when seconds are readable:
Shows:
11,59
